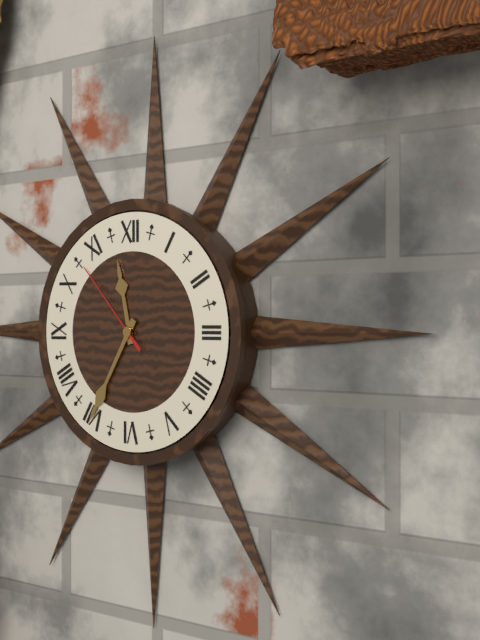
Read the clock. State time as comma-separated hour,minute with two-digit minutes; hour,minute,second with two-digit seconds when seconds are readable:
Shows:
11,35,53
